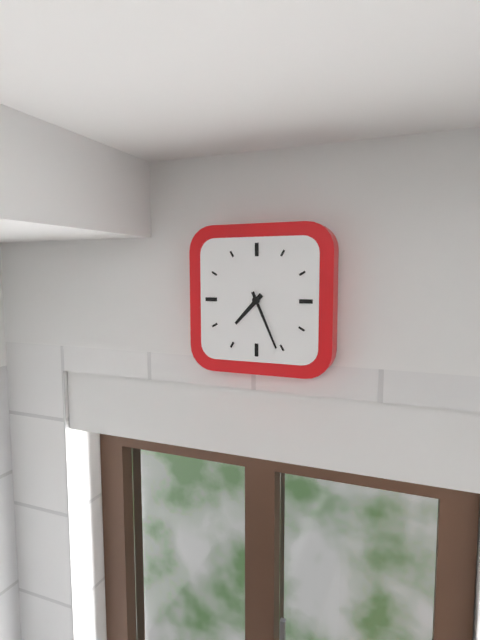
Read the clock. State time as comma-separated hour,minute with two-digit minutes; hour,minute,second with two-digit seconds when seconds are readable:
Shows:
7,26
